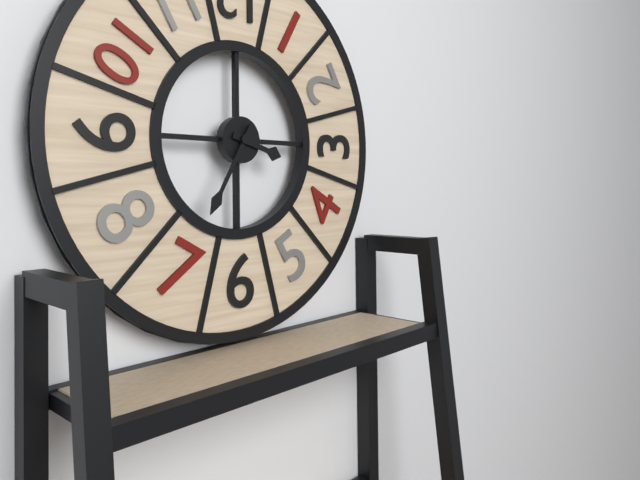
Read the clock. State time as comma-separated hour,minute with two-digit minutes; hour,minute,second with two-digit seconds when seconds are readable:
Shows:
3,35
